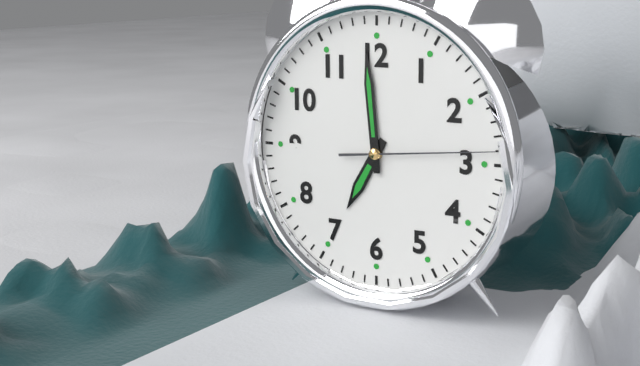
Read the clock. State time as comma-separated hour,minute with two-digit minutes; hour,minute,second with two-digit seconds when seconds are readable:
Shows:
6,59,14
